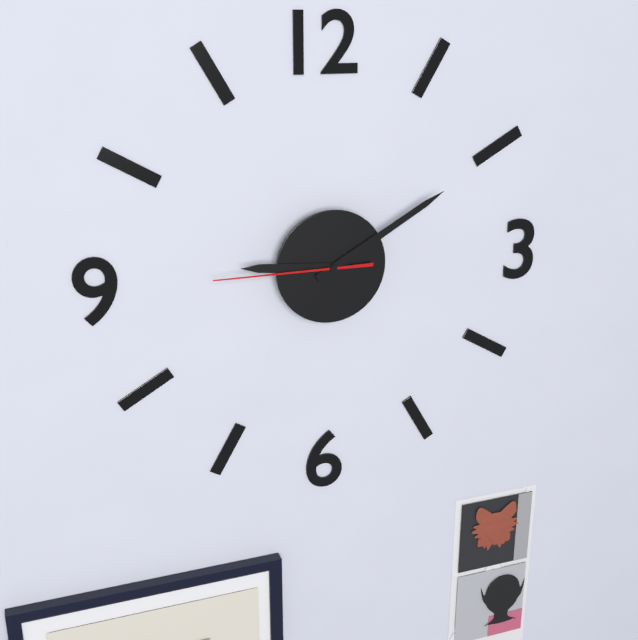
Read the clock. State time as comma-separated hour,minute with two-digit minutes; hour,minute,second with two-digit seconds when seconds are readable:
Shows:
9,10,45
